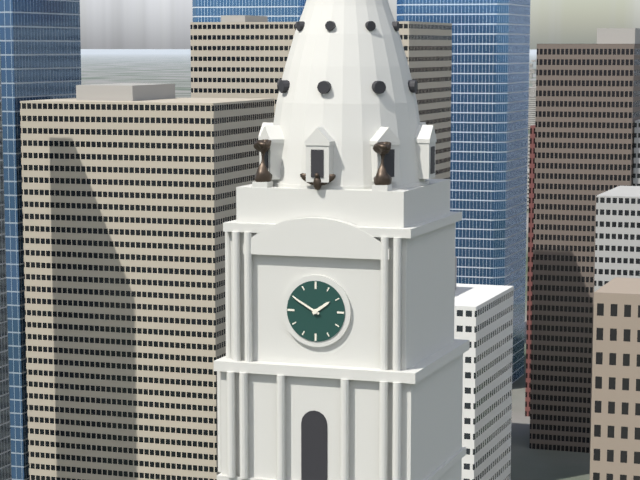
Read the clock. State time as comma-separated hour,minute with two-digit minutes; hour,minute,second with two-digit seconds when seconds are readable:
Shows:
1,50
